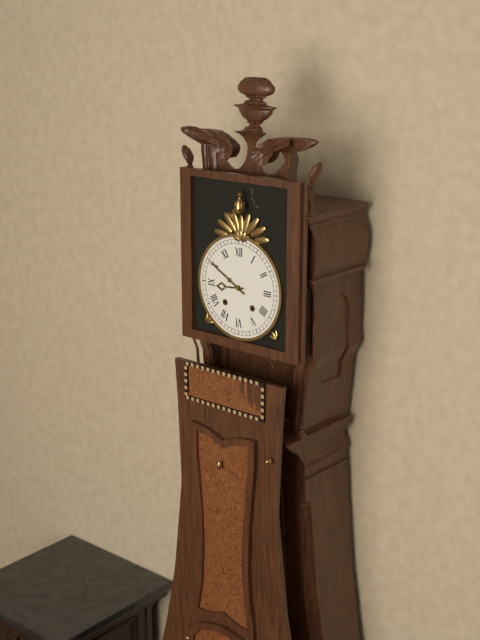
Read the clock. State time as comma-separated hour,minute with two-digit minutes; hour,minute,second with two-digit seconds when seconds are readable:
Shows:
8,50
